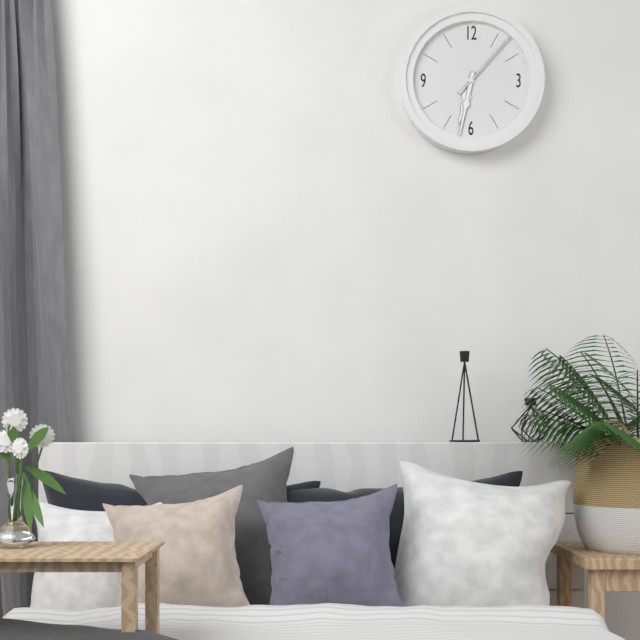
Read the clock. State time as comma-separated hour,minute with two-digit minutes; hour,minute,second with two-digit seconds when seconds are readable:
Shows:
6,32,07
